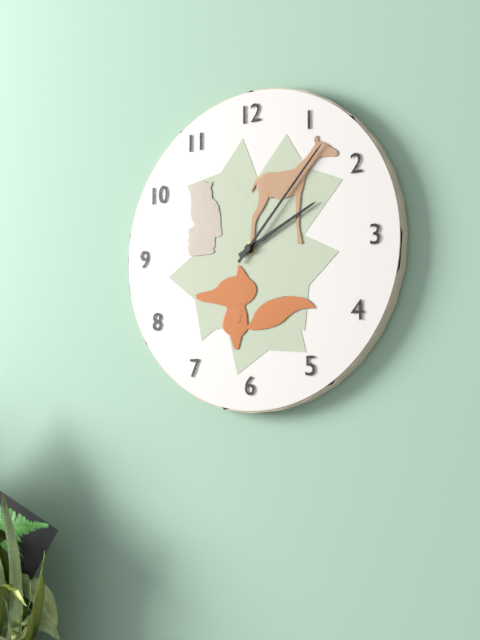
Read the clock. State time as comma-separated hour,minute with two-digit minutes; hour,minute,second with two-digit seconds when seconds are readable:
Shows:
2,07
